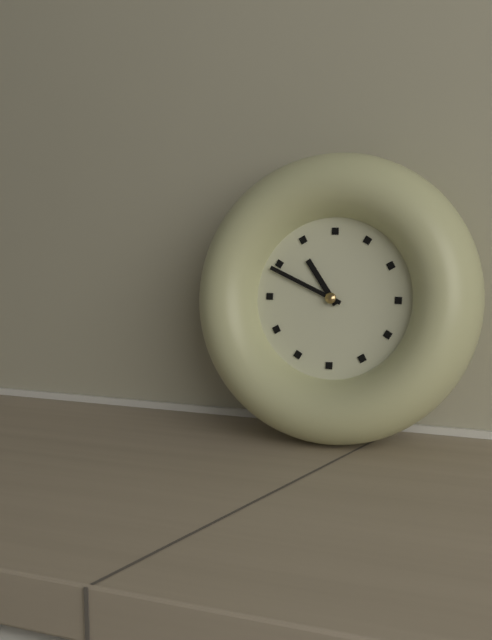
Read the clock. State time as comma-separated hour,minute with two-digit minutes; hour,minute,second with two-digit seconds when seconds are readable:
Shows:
10,49
